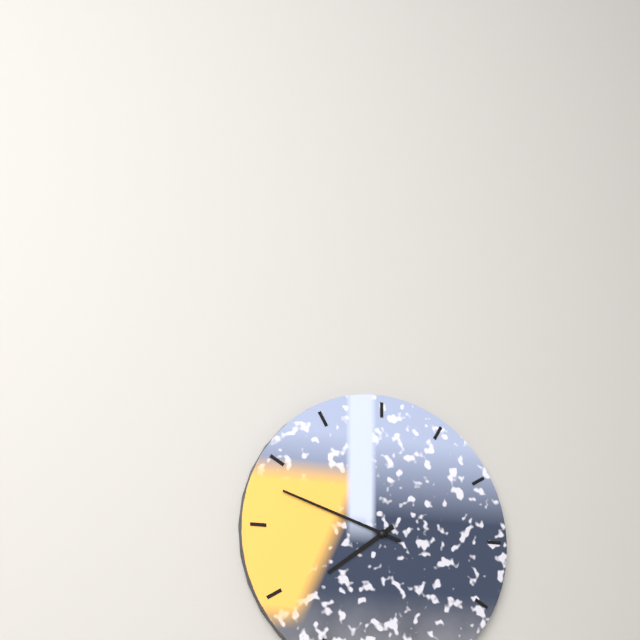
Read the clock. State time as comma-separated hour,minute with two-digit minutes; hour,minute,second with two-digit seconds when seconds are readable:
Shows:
7,48
